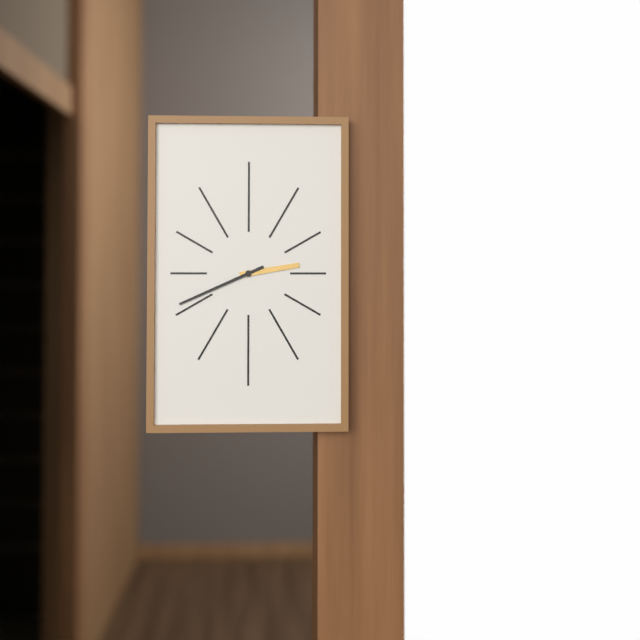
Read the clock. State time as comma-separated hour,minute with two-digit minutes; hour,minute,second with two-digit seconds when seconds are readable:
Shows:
2,41
